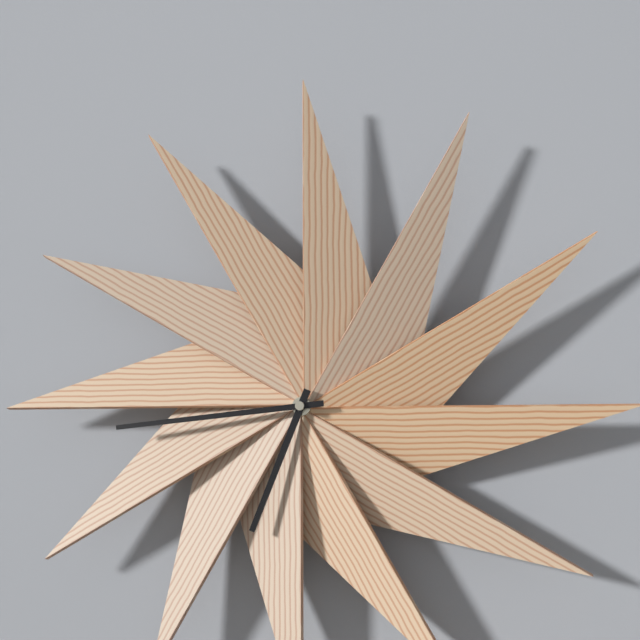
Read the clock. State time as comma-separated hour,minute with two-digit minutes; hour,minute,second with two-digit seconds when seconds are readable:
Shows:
6,44
